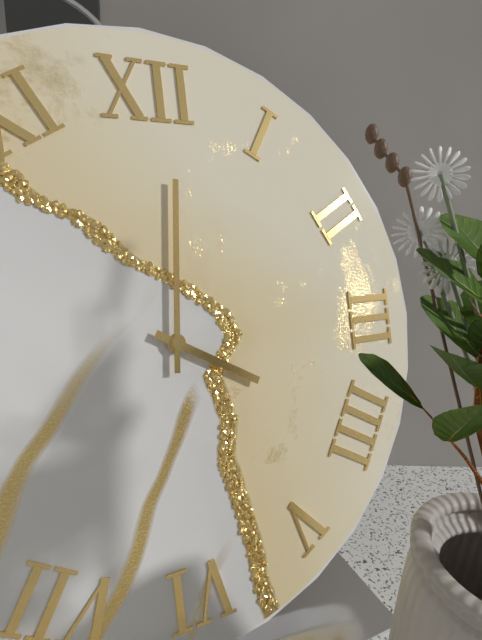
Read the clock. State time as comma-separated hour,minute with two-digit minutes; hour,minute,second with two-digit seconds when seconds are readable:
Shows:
4,01
